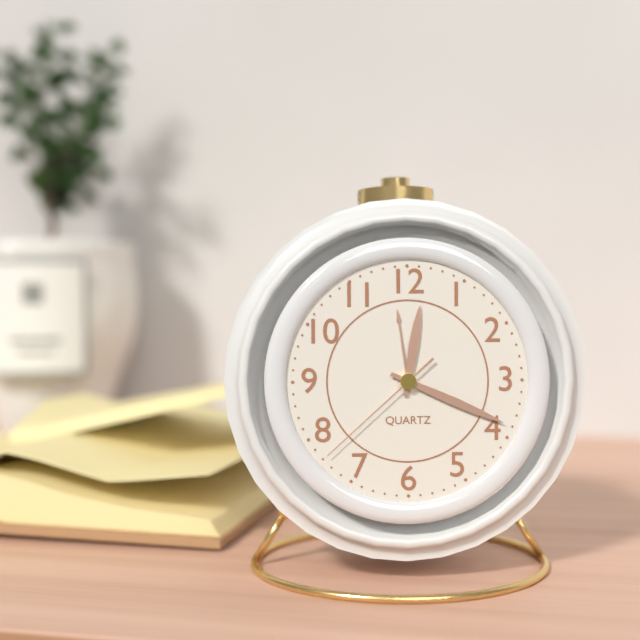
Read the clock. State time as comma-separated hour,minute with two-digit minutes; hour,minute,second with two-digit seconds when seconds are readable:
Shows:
12,19,38
